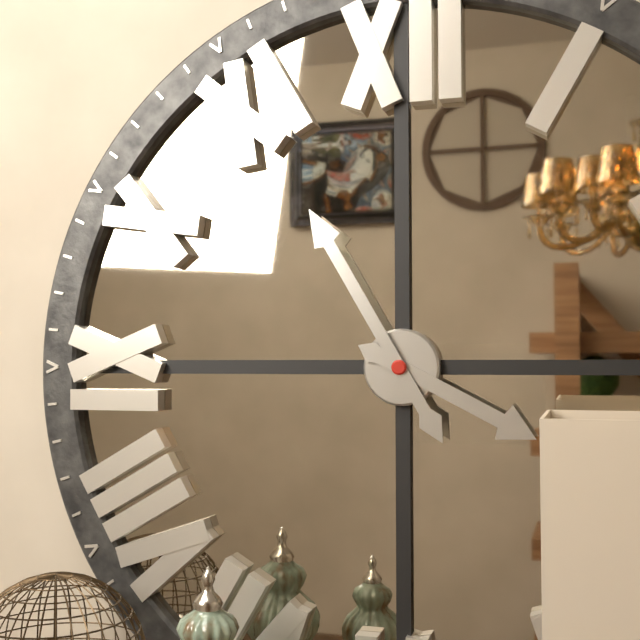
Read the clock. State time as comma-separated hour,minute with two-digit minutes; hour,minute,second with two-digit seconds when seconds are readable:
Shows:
3,55
